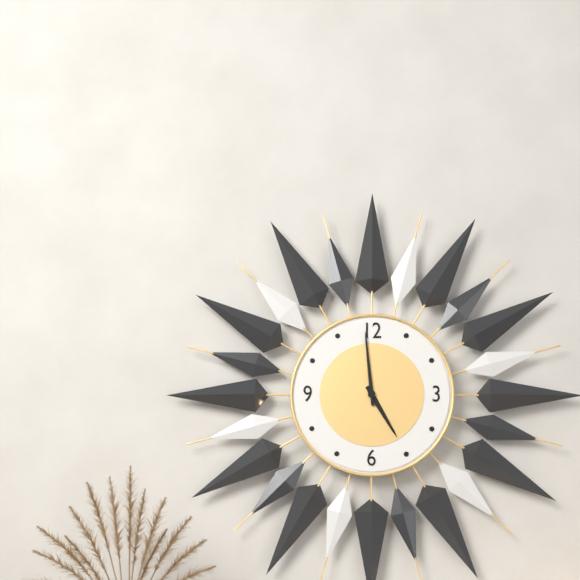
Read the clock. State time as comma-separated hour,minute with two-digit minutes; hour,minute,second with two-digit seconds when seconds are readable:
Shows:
4,59
